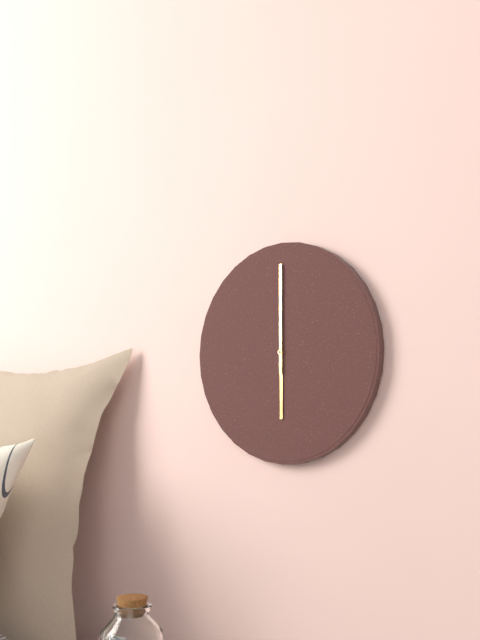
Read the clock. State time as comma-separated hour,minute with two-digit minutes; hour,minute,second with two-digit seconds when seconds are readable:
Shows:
6,00
